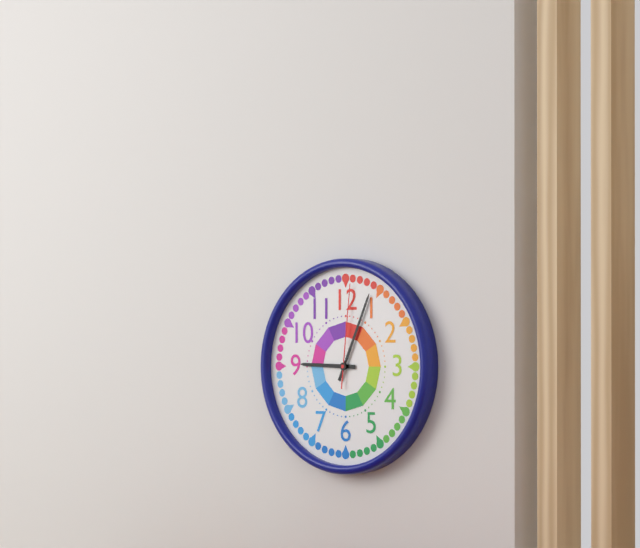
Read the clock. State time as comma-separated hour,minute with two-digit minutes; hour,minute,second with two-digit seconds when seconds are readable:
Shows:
9,04,01
